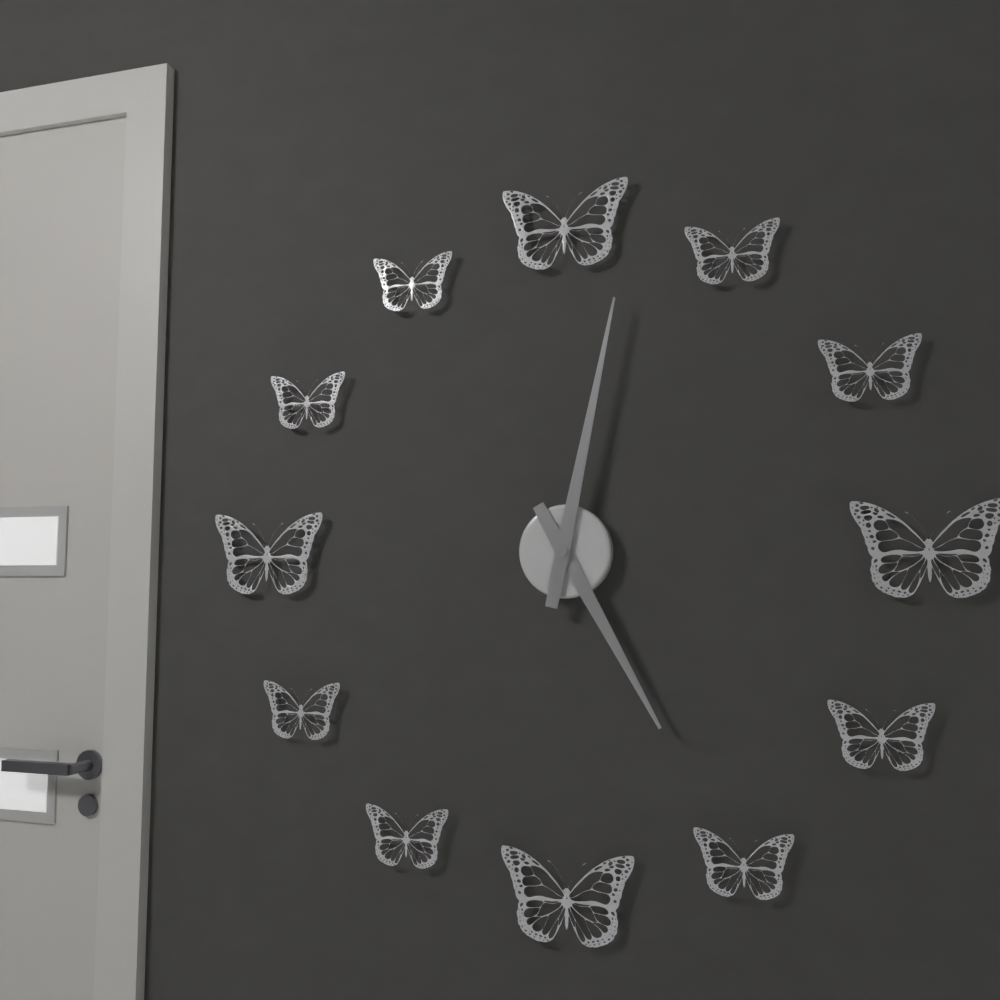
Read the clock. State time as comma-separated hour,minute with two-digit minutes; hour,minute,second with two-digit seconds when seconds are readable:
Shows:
5,02
